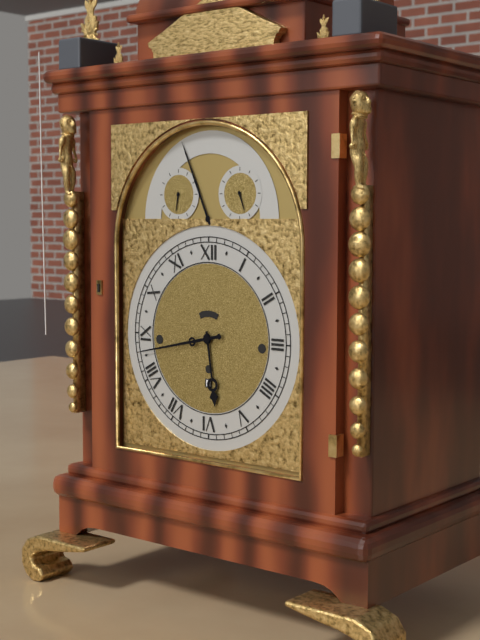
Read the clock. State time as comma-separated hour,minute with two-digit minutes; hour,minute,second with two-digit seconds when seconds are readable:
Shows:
5,43
